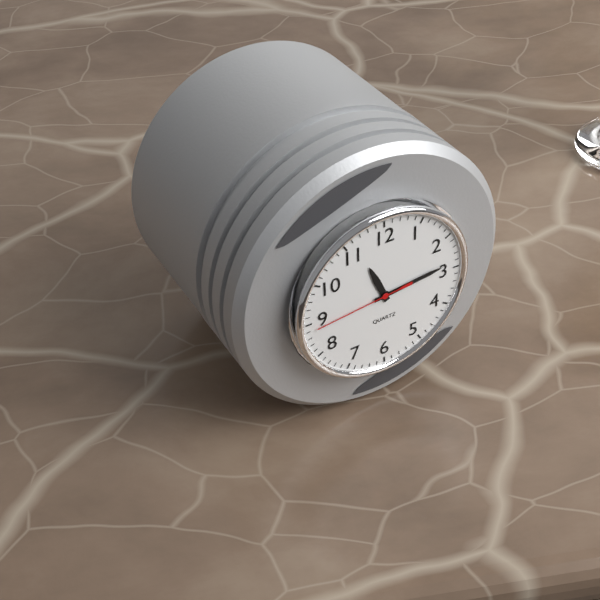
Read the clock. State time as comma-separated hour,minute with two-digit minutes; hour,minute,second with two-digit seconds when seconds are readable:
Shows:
11,14,44
